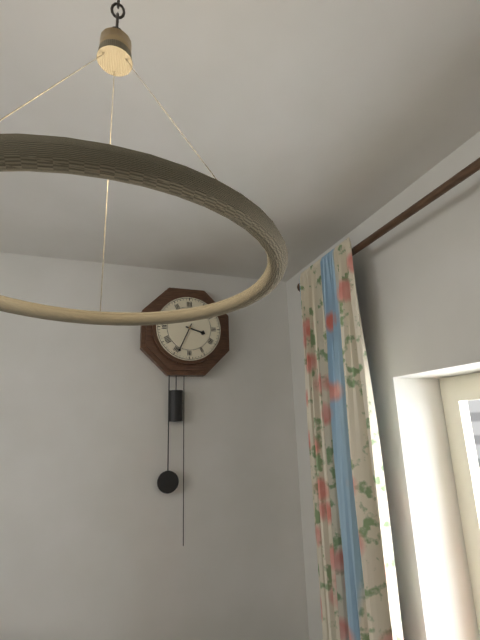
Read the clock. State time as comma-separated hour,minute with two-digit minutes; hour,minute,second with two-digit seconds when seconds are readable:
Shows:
3,34
